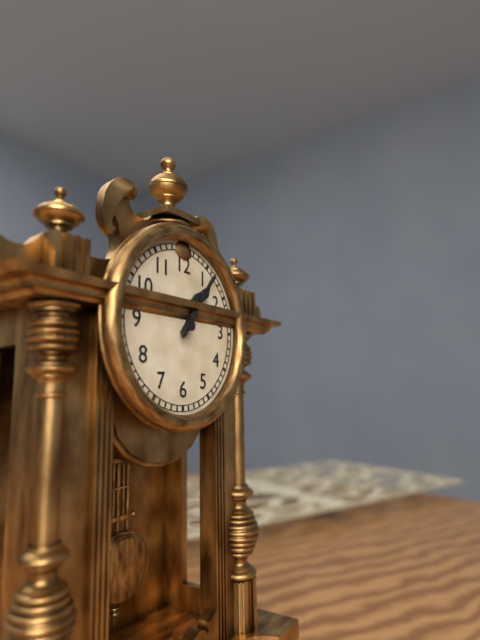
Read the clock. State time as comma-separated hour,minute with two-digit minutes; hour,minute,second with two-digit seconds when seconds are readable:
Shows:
1,06
